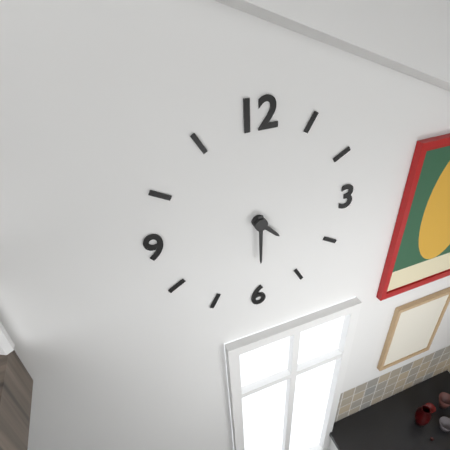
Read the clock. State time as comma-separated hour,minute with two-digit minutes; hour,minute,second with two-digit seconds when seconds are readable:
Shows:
4,30
